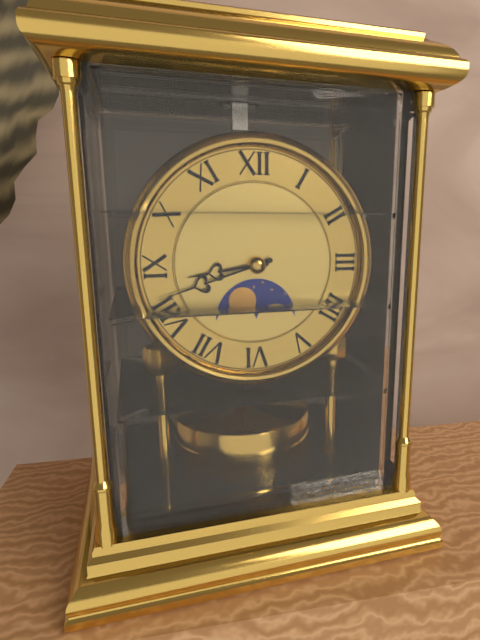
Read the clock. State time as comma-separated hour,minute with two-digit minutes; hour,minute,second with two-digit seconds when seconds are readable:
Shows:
8,42
